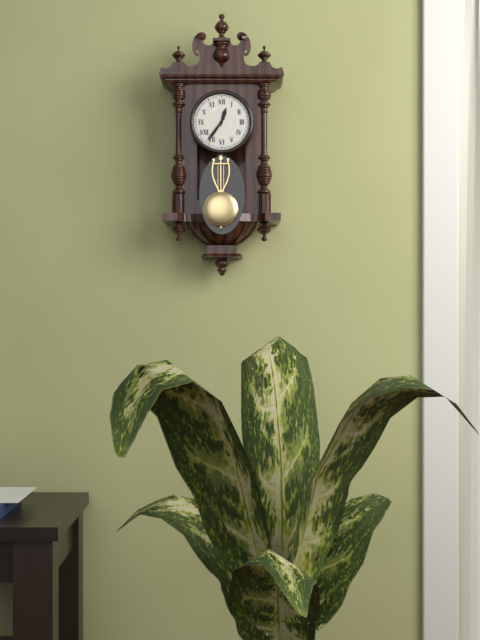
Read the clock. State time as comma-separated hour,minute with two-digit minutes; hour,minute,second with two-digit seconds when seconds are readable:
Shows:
12,36
